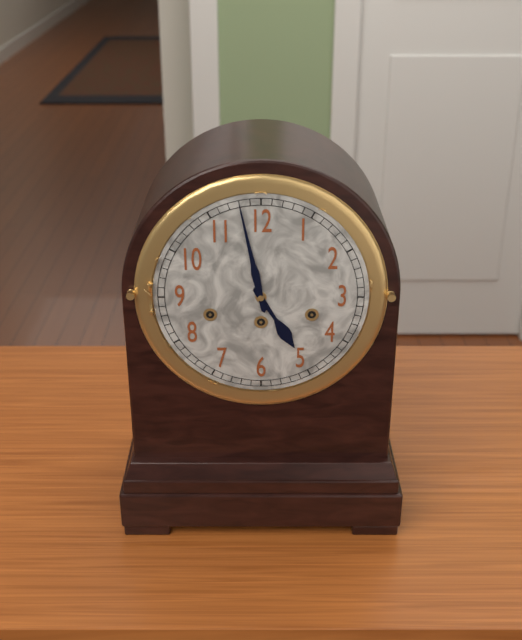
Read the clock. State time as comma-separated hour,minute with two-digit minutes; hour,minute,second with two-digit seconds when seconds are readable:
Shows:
4,58
